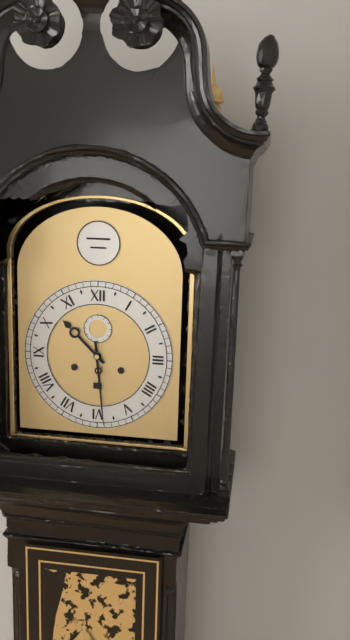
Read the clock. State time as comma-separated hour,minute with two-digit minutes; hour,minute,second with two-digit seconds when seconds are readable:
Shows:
10,29
